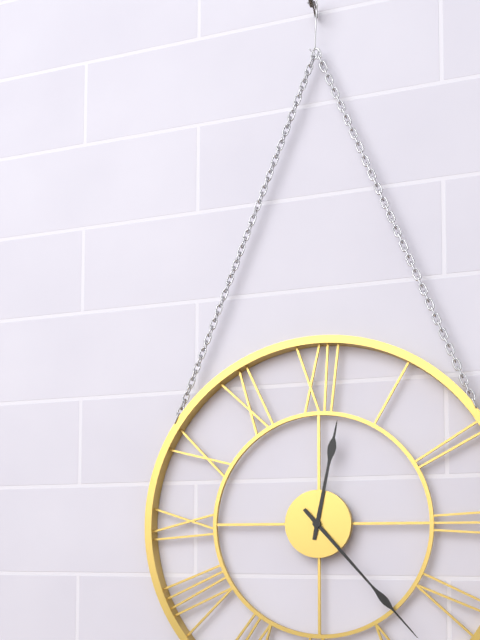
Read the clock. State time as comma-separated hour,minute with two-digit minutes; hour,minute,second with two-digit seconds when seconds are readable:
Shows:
12,23
